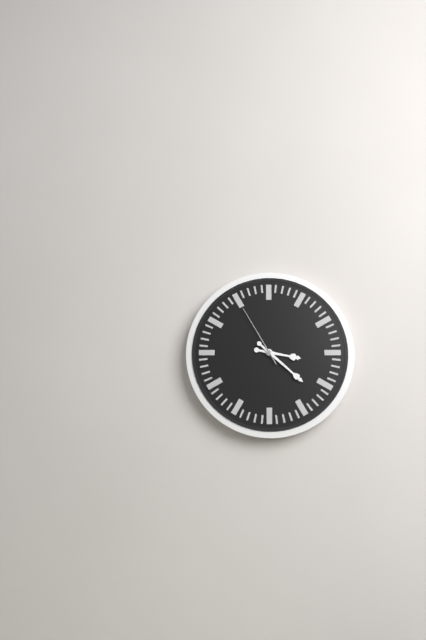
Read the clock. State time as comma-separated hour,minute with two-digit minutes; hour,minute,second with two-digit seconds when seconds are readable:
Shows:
3,22,55
